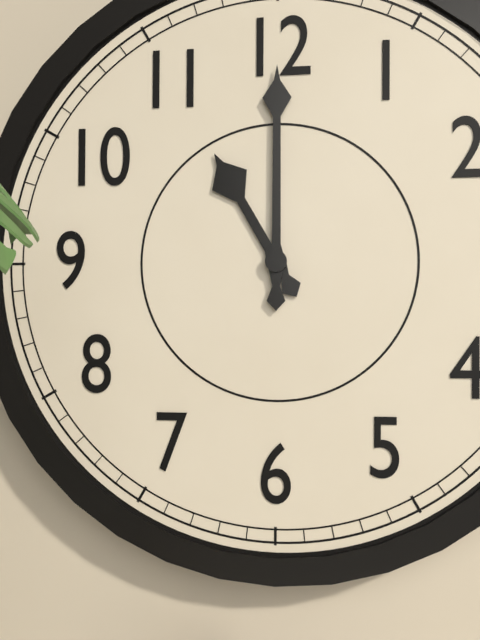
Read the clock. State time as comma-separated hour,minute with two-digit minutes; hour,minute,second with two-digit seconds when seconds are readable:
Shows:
11,00
